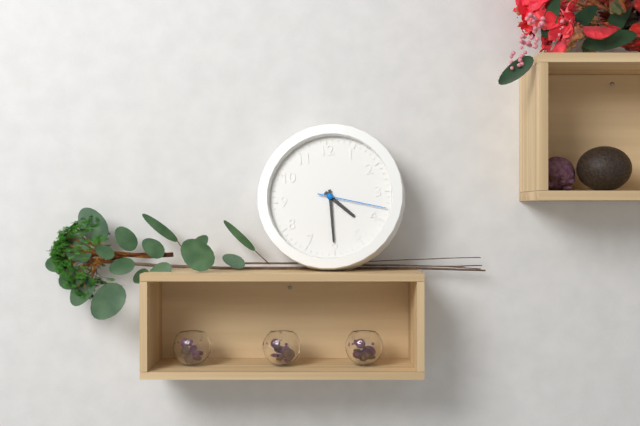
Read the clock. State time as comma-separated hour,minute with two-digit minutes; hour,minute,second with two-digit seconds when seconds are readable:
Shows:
4,30,18
